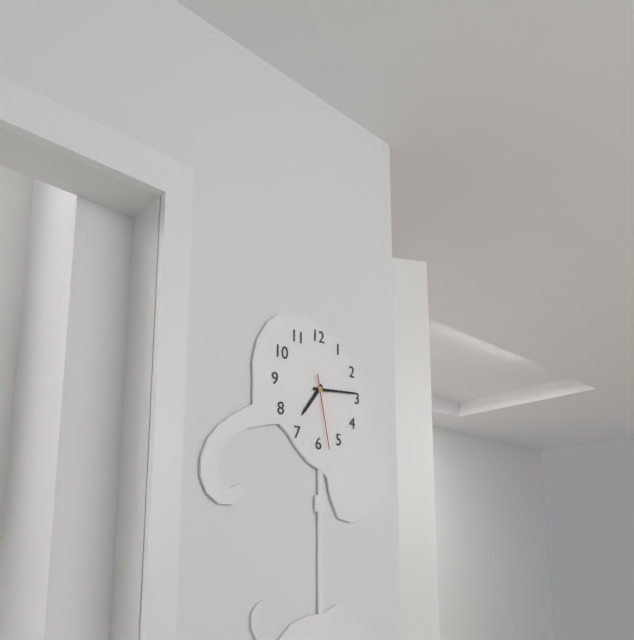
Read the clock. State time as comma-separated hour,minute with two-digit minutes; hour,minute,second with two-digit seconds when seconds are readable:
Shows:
7,14,28
